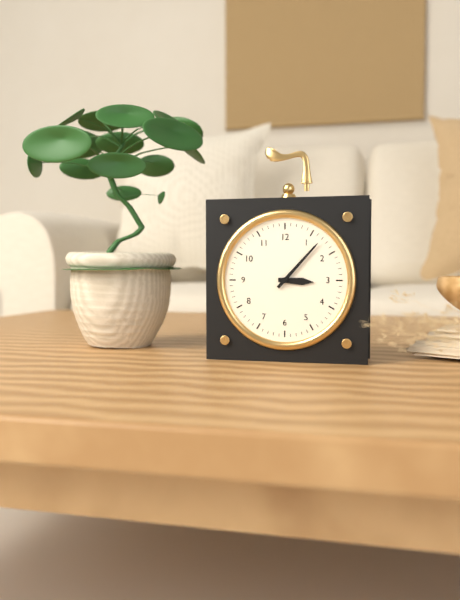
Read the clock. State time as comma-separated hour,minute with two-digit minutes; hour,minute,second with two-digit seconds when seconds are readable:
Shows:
3,07
